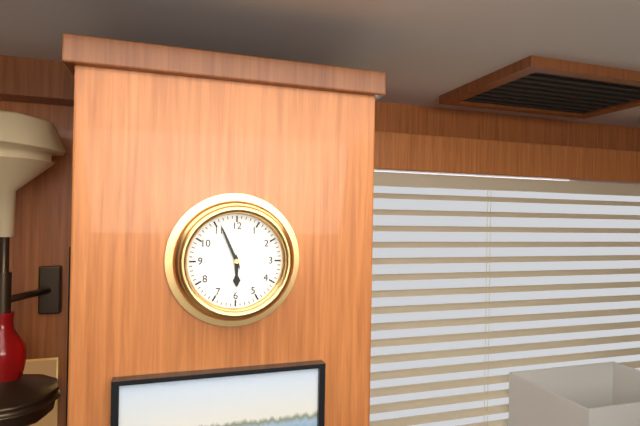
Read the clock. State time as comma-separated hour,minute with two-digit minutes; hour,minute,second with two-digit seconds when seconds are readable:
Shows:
5,56
